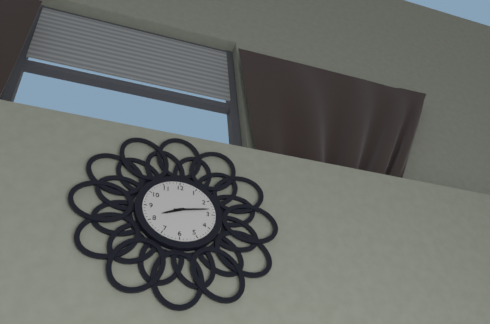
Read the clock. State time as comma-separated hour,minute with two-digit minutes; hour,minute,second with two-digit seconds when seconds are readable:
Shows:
8,13
